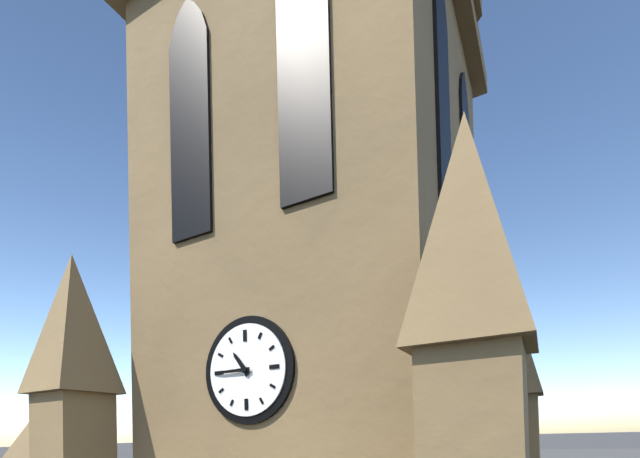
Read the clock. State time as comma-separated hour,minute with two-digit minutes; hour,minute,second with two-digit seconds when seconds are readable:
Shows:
10,45
